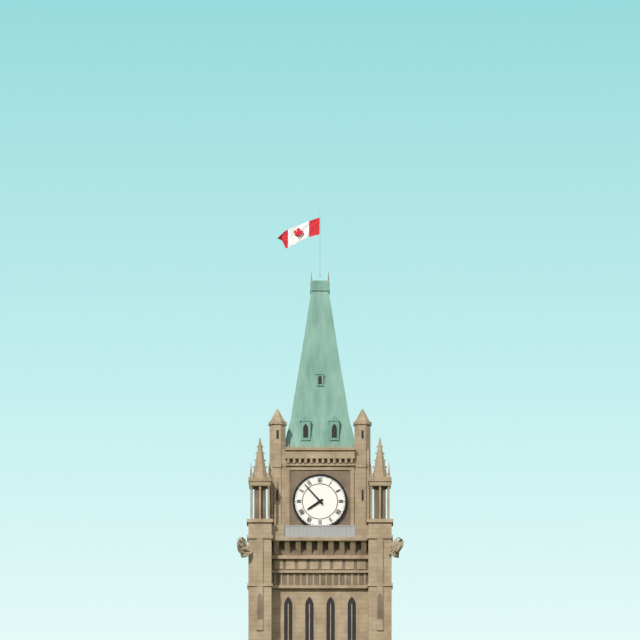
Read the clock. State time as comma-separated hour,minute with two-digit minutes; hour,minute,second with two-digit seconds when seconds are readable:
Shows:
7,53
